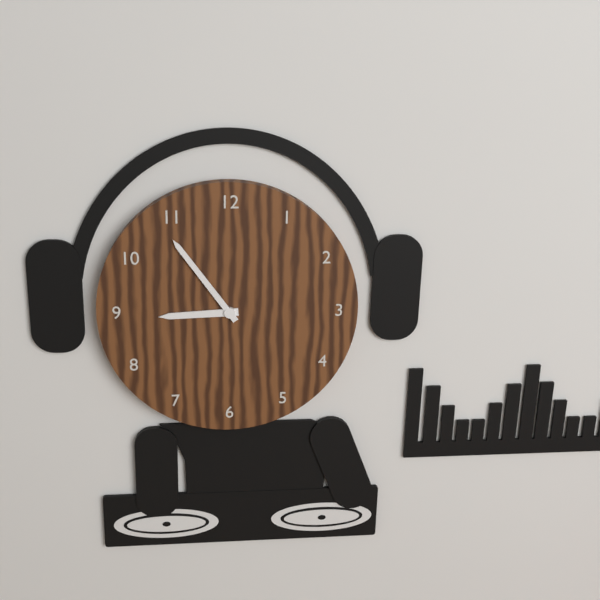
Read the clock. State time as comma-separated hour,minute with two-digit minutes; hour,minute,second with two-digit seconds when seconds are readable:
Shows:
8,54
